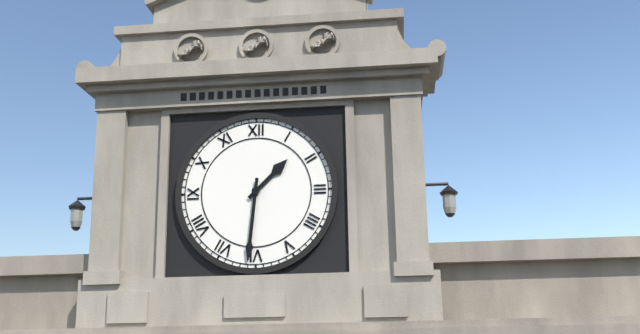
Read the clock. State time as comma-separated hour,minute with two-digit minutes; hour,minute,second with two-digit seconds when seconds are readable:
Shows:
1,31
